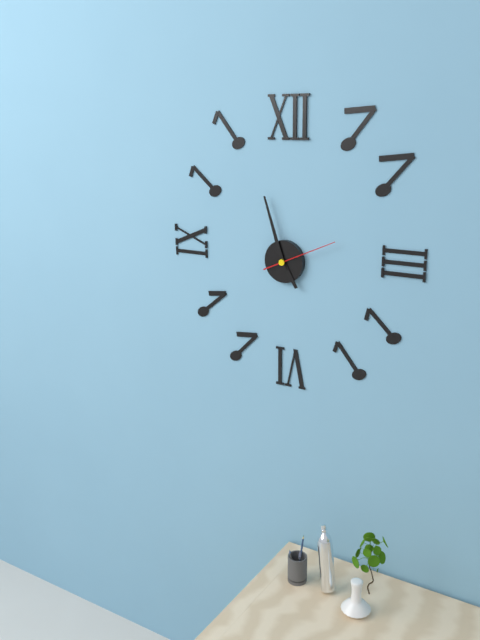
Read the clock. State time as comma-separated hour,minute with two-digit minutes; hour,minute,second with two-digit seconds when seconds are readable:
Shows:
4,57,11
